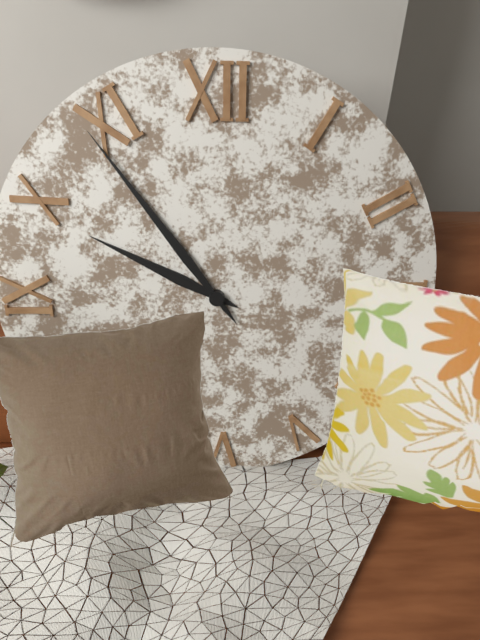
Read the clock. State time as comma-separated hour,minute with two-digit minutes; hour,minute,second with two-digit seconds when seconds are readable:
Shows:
9,54
